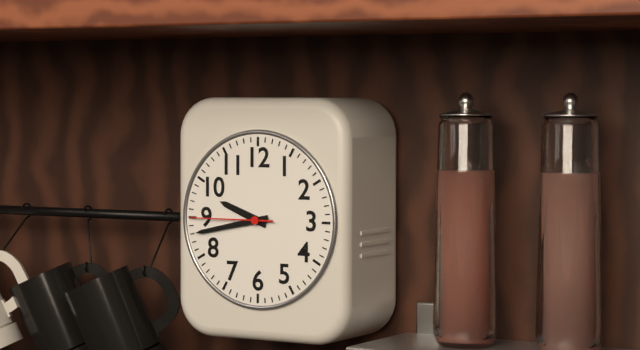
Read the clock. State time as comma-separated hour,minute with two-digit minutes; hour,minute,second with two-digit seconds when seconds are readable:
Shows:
9,43,45
